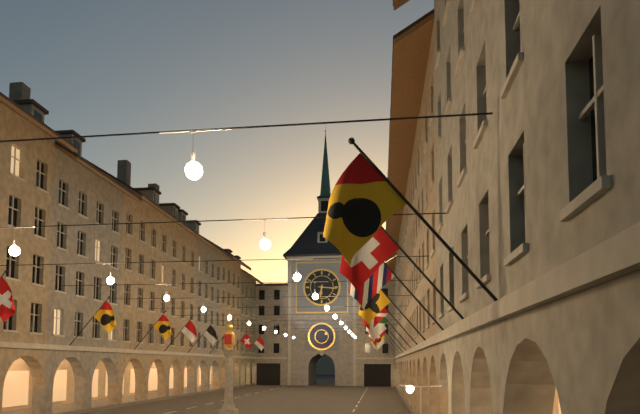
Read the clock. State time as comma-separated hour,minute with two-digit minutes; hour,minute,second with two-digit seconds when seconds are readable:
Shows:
6,16
